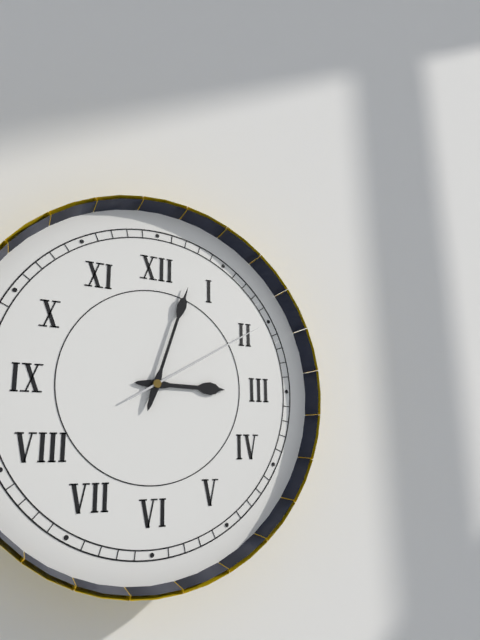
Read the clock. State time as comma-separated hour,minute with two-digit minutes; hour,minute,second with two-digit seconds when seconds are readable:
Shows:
3,03,10
